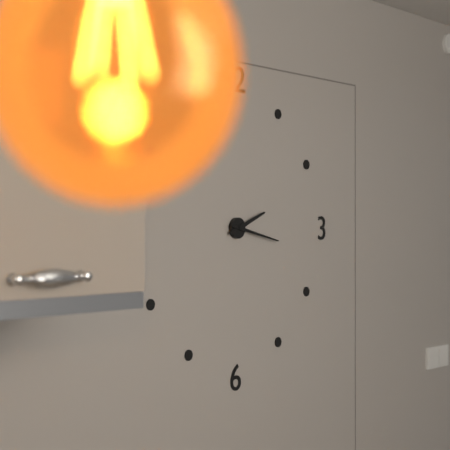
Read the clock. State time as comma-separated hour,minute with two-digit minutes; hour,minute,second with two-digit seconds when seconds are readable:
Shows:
2,17
